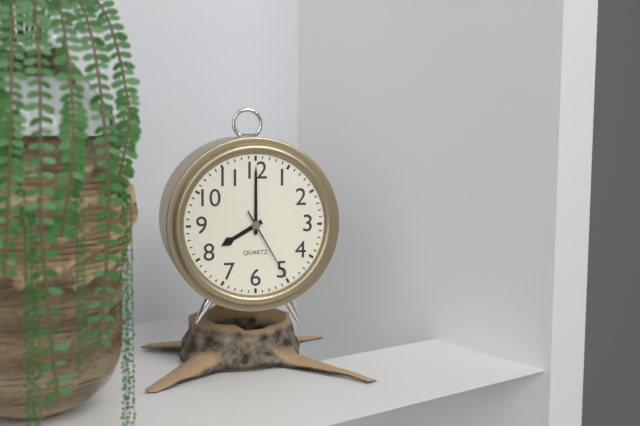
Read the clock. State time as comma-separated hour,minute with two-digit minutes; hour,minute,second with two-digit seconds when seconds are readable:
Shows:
8,00,25
